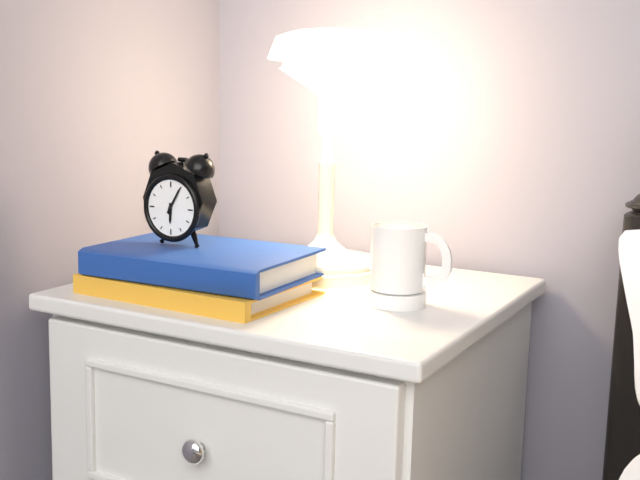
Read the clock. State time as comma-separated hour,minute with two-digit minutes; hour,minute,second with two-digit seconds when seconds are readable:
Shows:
6,05
